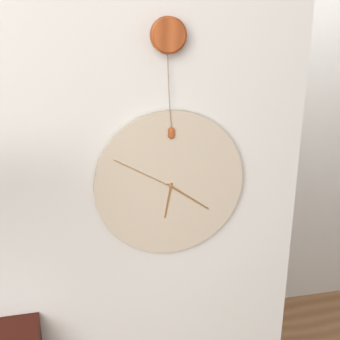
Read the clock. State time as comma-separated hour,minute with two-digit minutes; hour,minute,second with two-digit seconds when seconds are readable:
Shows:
6,21,50
